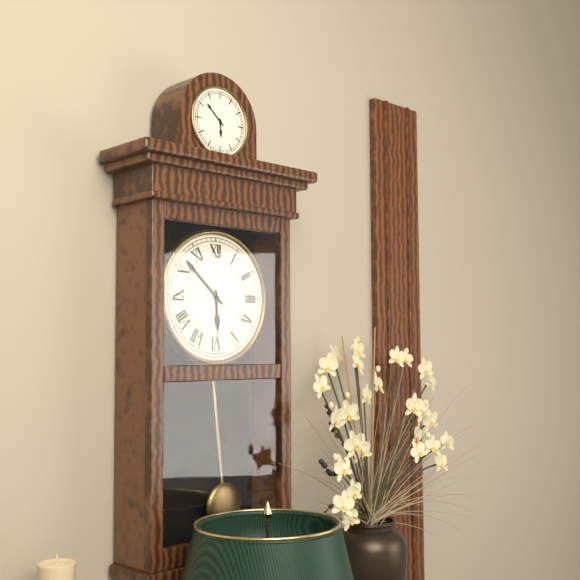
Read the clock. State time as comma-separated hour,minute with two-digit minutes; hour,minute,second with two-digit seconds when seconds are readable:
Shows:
5,52
